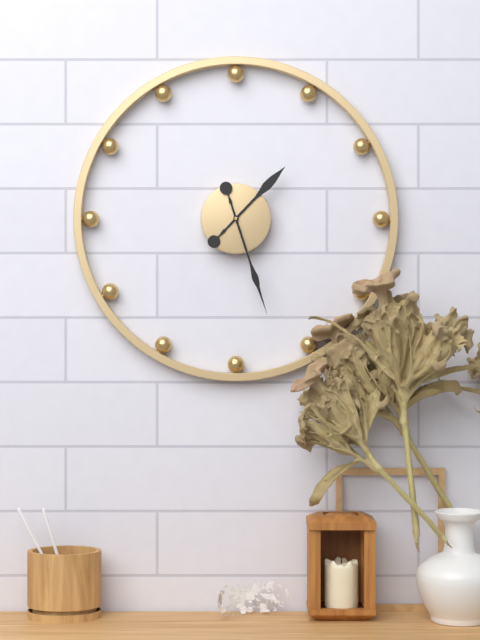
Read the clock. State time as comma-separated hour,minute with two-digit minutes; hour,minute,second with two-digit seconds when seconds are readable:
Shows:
1,27
